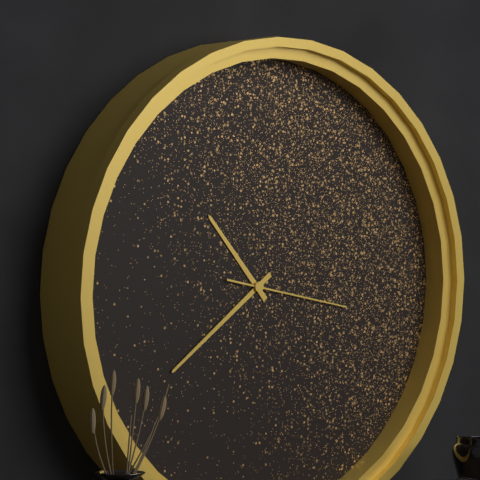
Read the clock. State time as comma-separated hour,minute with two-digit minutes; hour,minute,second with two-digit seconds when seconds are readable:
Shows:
10,39,17
